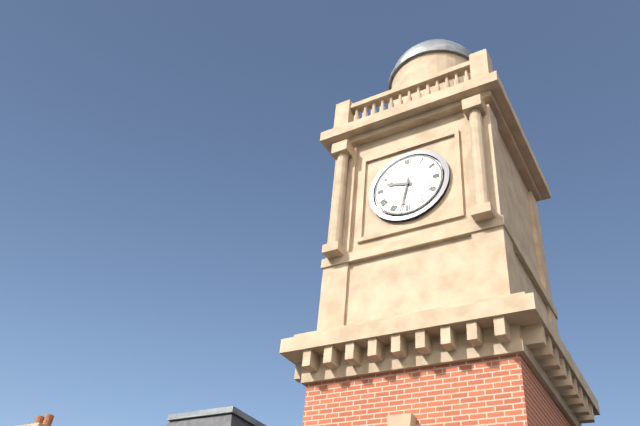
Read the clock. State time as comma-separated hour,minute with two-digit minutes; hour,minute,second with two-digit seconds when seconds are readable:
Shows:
9,32
